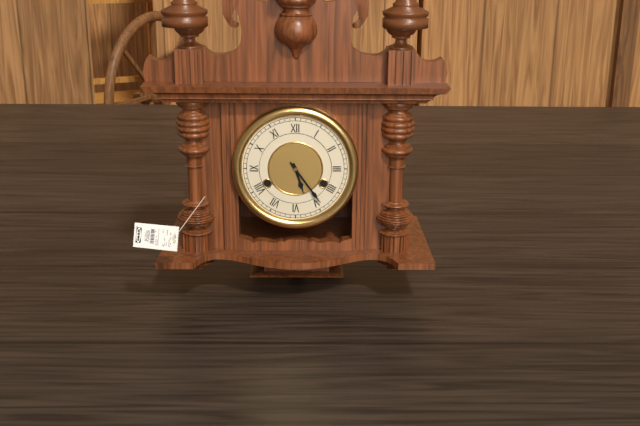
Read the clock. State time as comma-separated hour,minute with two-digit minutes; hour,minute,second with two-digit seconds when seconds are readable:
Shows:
5,24
